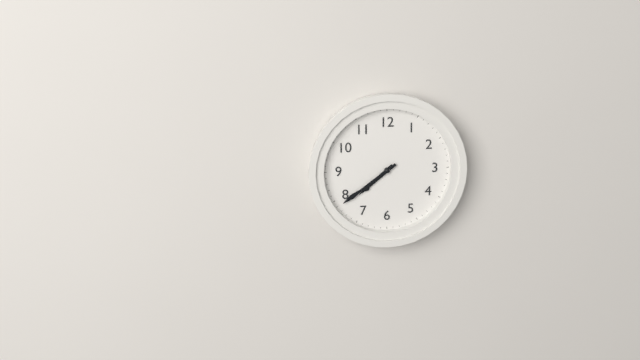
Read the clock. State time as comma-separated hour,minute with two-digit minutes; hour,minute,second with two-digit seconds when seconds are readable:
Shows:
7,39
